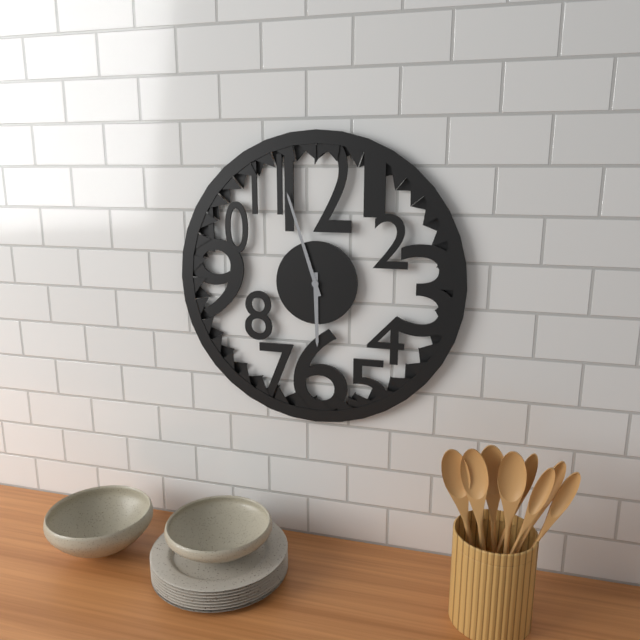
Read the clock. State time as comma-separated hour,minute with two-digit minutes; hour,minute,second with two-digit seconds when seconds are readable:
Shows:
5,57
